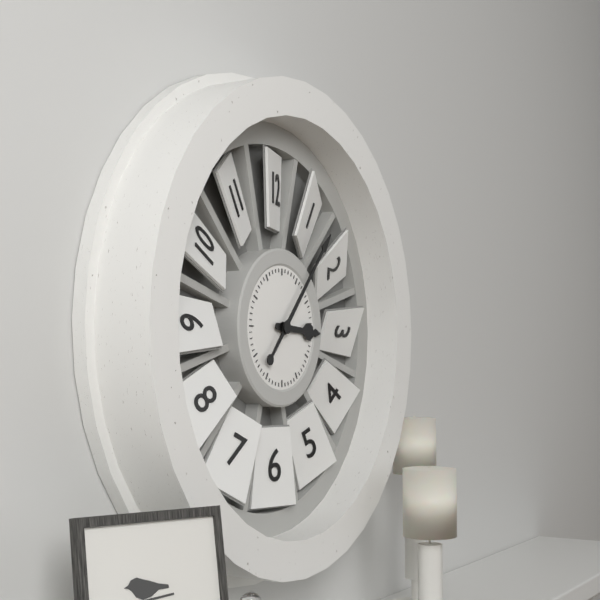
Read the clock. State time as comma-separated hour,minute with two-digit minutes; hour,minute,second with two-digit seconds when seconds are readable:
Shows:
3,07
